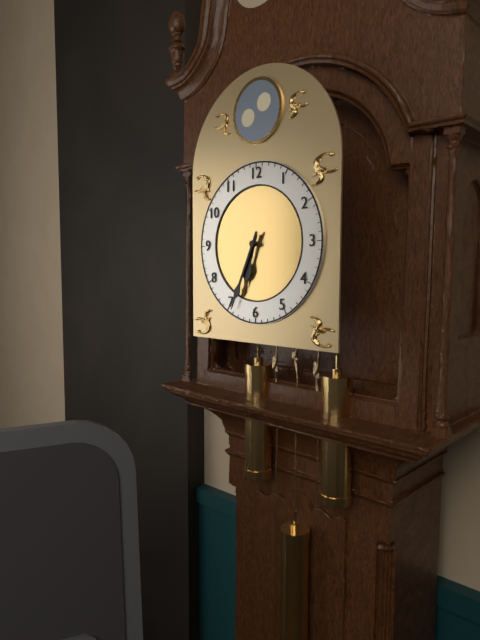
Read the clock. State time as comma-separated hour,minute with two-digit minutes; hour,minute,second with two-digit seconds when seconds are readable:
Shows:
6,34
